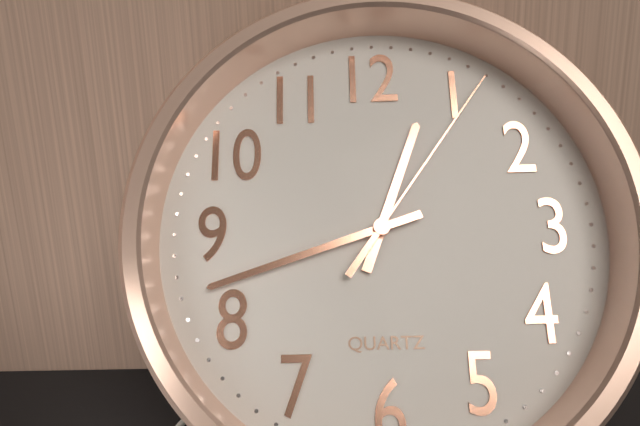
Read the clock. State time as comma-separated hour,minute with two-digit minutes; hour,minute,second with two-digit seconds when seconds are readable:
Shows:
12,42,06
